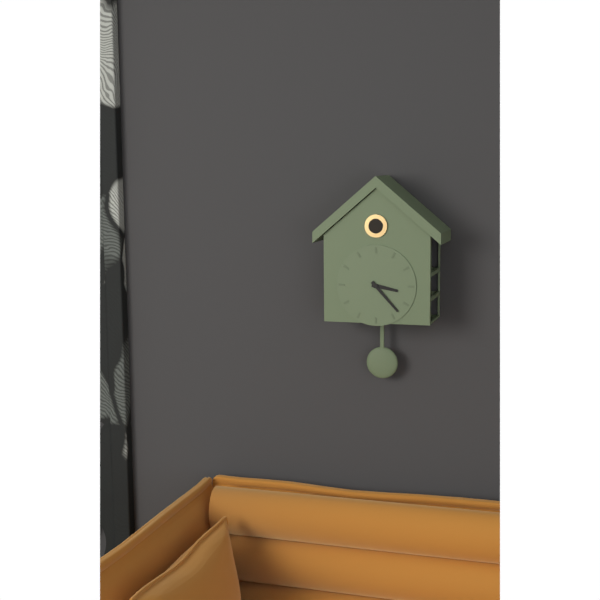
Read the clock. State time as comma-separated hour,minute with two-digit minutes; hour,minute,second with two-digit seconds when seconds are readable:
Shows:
3,23
